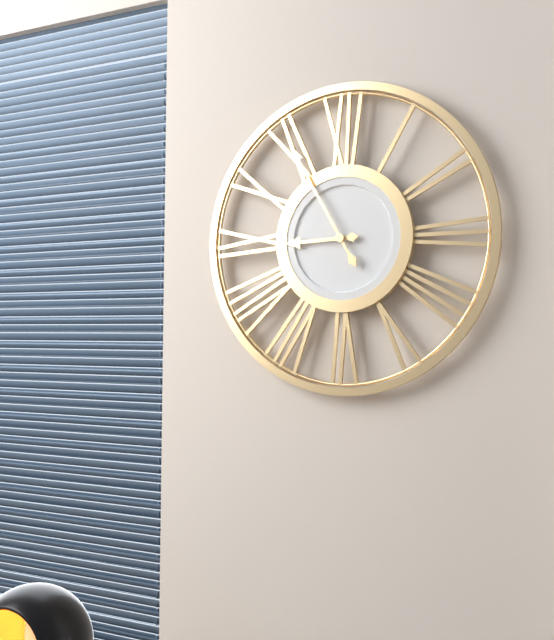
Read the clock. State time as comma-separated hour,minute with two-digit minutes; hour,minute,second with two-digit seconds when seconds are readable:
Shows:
8,55
